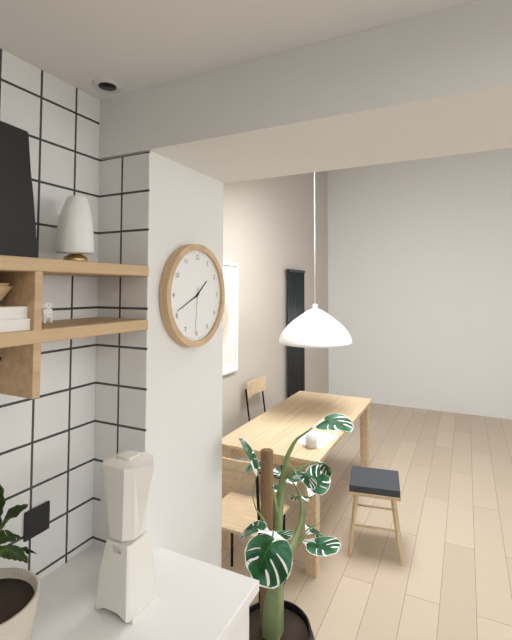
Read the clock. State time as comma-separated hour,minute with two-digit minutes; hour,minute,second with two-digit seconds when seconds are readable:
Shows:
1,41
